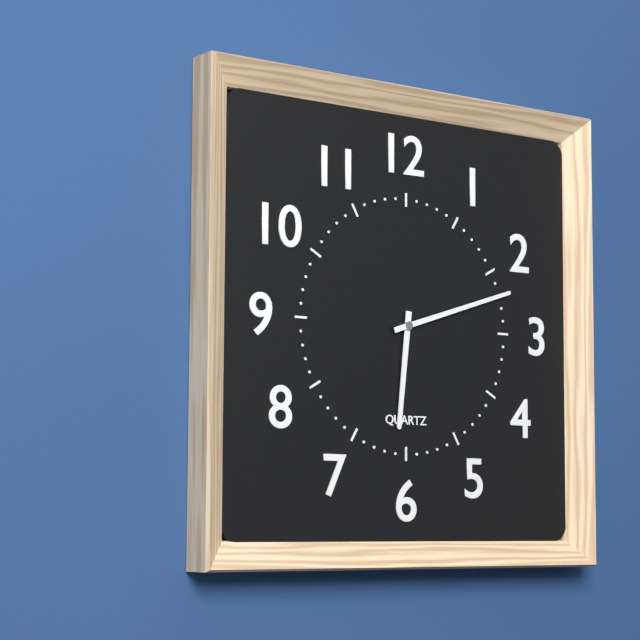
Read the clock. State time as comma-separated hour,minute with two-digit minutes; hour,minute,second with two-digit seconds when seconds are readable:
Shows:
6,12
